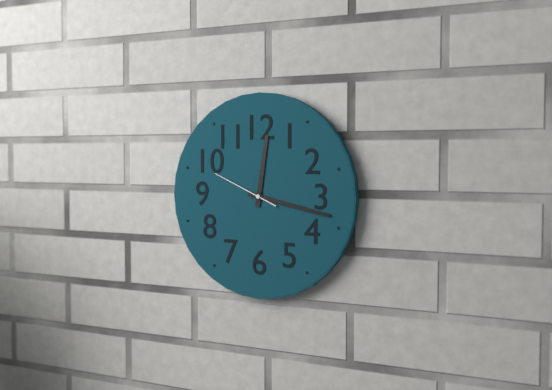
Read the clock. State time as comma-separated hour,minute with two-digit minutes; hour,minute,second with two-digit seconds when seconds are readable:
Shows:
12,17,49
